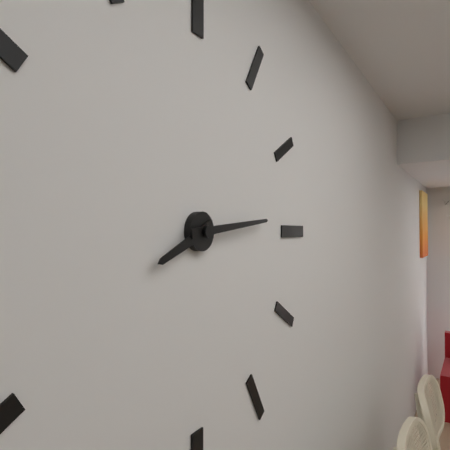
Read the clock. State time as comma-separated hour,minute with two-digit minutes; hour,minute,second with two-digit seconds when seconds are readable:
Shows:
8,14
